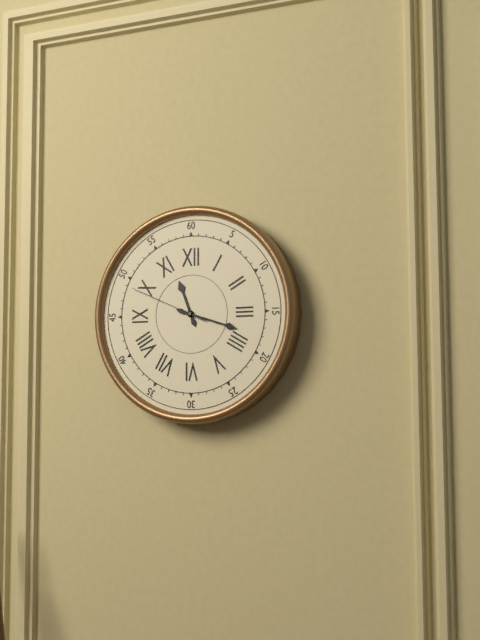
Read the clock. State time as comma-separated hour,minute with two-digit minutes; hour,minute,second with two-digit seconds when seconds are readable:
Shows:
11,18,49
